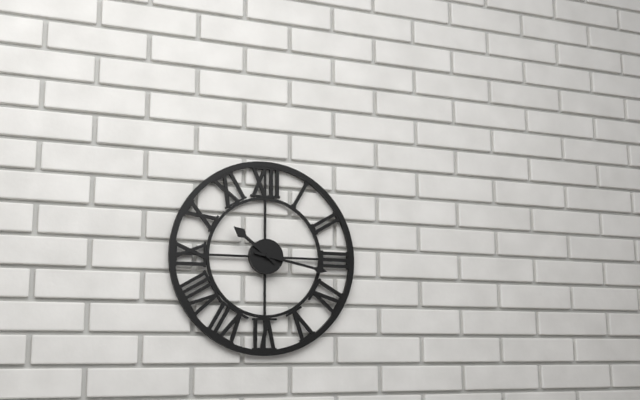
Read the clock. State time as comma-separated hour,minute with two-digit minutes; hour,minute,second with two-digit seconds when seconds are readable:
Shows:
10,17
